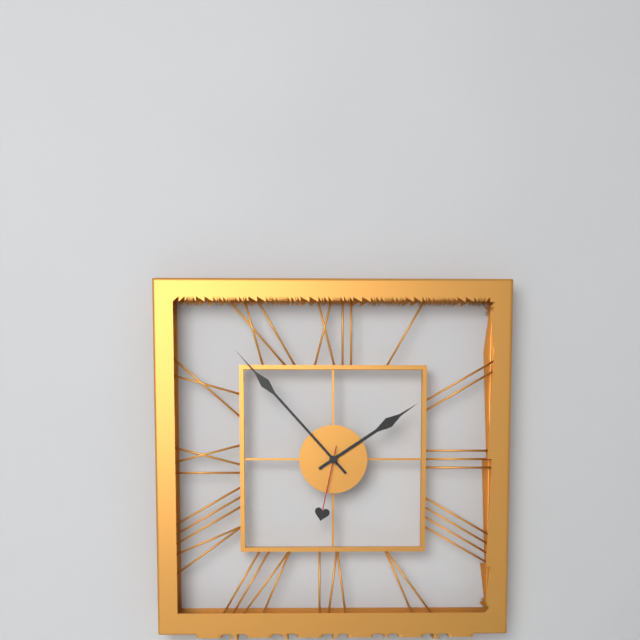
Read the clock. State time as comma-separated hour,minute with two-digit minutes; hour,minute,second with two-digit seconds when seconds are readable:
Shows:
1,53,32
